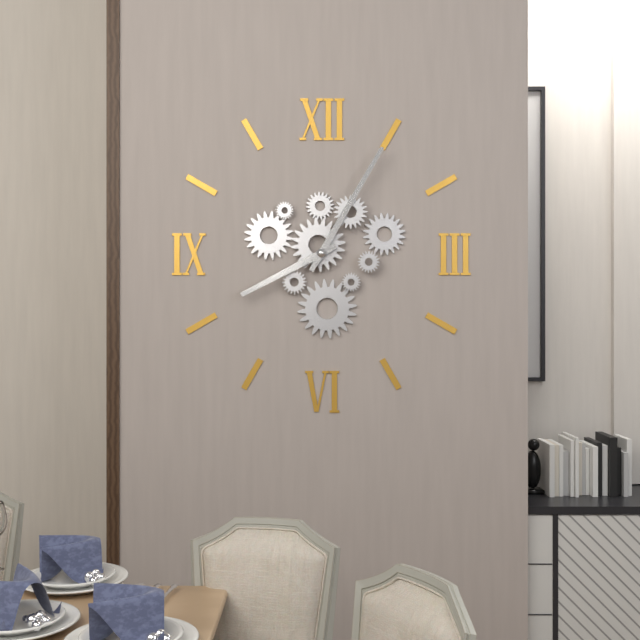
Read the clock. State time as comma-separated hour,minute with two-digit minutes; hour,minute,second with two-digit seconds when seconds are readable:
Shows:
8,05
